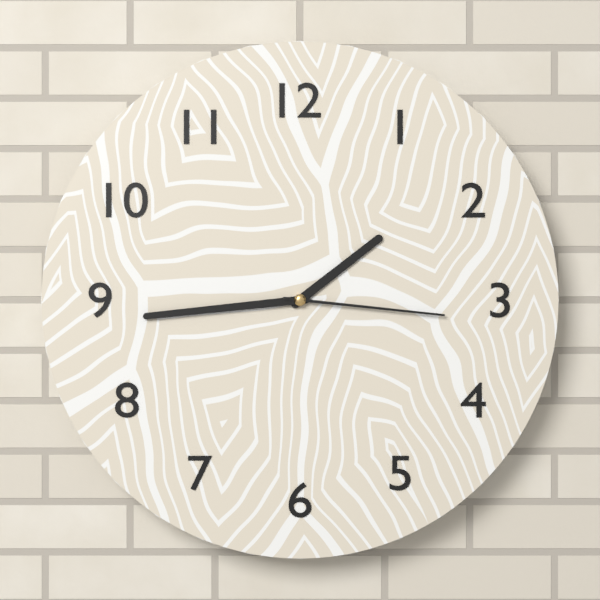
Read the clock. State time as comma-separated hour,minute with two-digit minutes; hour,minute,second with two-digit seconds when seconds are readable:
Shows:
1,44,16
